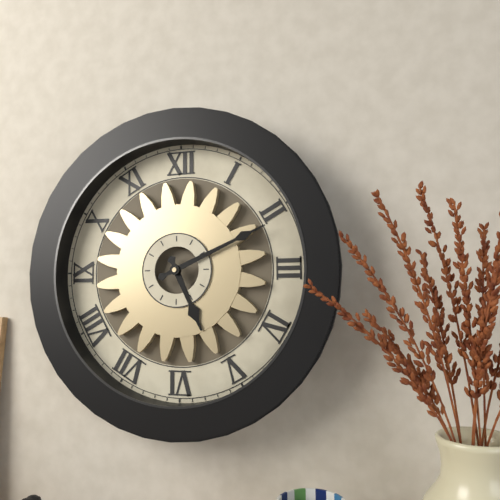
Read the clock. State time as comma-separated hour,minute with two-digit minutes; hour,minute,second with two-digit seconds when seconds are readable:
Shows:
5,11
